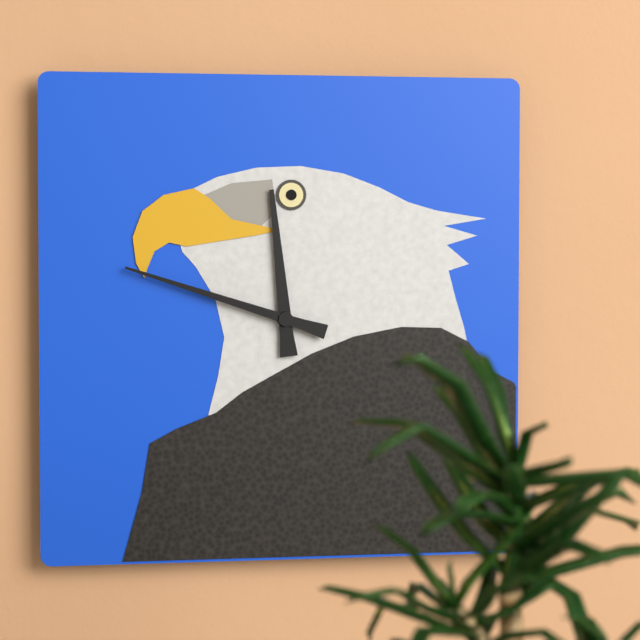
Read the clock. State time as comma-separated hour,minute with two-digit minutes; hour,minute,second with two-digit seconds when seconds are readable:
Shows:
11,48
